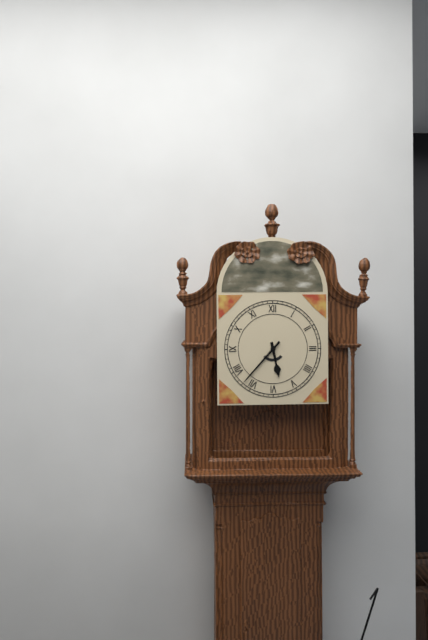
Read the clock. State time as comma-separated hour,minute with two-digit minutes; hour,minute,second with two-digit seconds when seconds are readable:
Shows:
5,37
